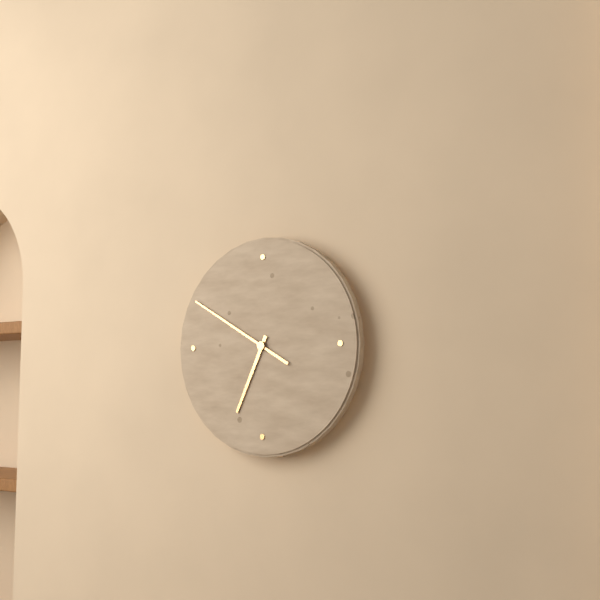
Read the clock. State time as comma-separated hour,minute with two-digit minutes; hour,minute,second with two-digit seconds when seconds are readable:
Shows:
6,50
